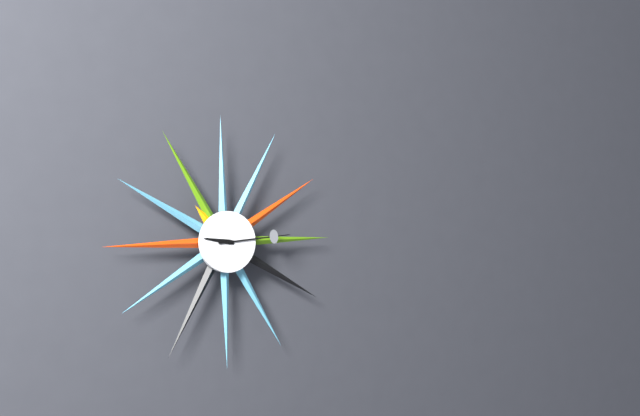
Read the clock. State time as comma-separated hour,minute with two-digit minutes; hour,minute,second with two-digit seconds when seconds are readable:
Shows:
9,14
